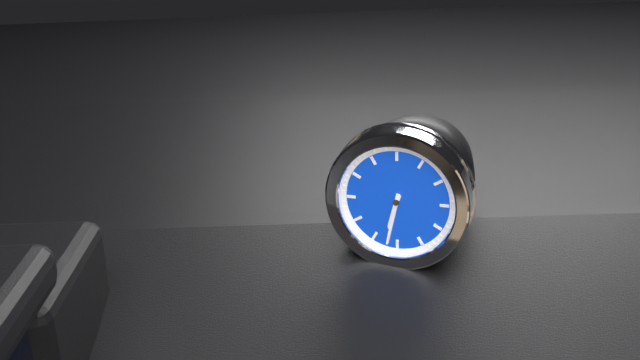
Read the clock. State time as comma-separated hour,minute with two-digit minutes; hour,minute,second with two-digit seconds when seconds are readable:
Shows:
6,32
